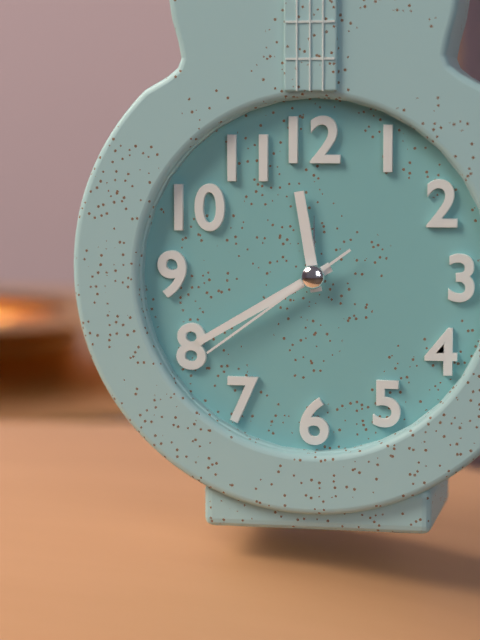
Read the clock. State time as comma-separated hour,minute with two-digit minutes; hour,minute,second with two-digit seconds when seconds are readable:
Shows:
11,40,39
